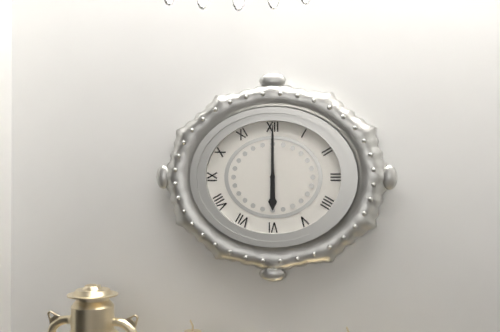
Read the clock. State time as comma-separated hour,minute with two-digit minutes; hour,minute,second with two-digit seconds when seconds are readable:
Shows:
6,00
